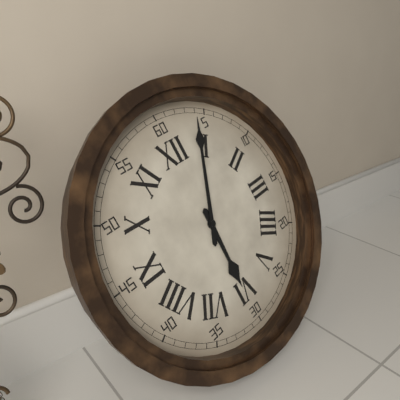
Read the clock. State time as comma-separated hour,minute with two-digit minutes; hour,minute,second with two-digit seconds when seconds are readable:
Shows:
6,04
